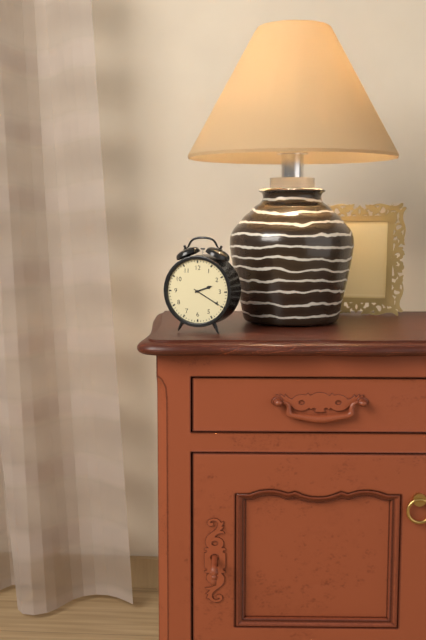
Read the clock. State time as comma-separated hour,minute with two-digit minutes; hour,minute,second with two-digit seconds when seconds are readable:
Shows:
2,20
